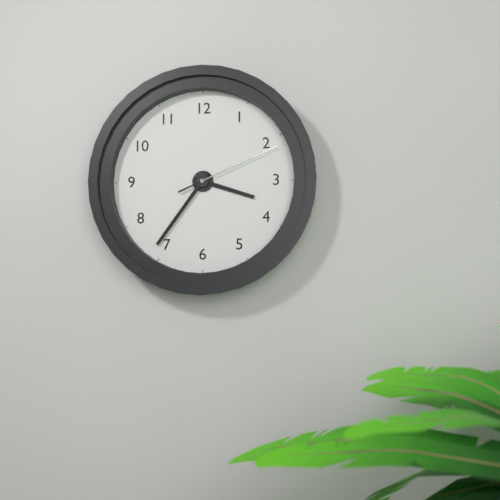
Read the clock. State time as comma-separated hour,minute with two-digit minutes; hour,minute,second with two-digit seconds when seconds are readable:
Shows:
3,36,11
